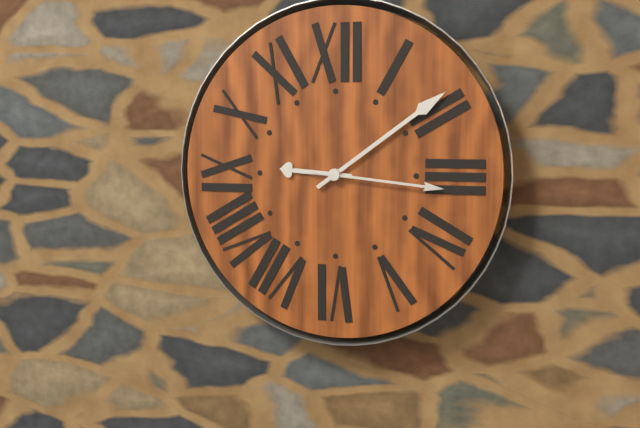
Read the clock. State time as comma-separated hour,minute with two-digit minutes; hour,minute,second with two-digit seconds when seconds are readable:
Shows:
9,09,16
